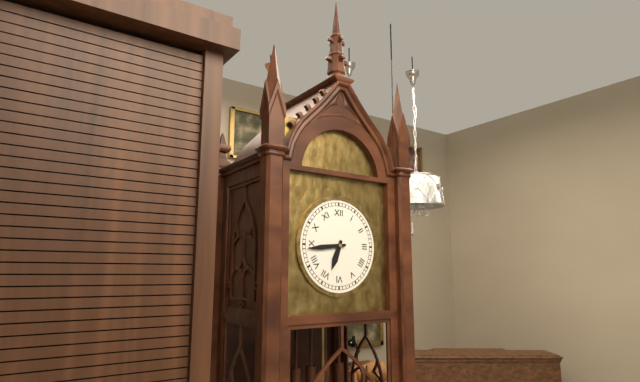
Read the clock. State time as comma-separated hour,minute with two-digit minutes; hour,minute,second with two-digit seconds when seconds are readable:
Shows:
6,44
